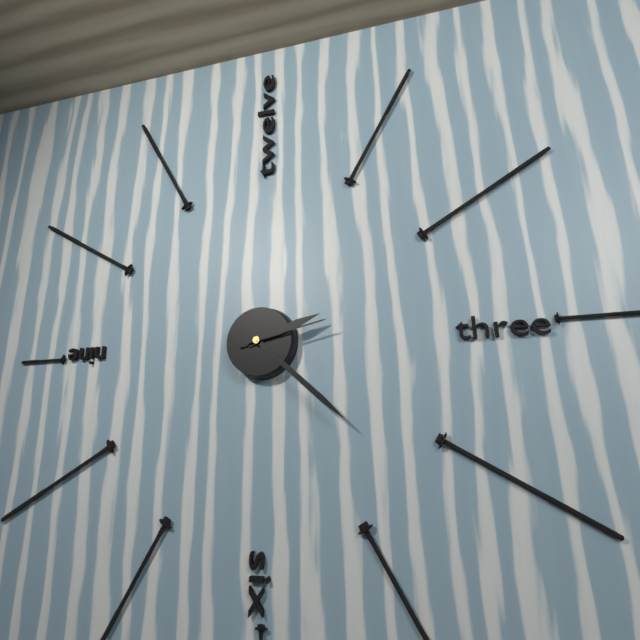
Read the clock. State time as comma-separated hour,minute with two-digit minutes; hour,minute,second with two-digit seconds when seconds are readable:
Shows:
2,22,13
